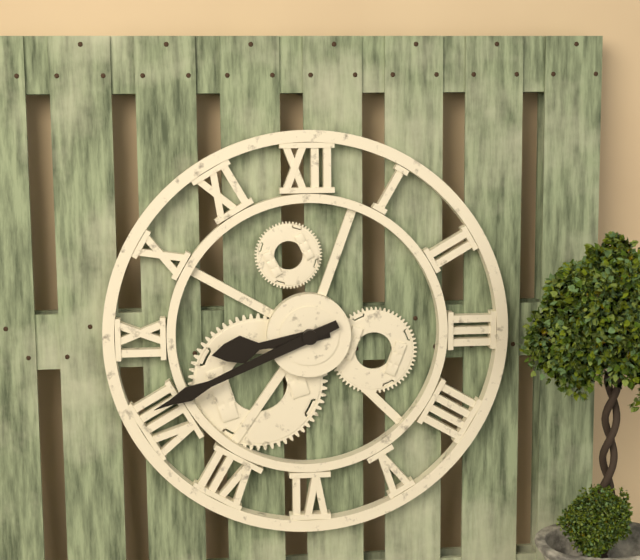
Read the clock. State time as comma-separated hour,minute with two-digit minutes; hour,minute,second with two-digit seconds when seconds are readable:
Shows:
8,41
